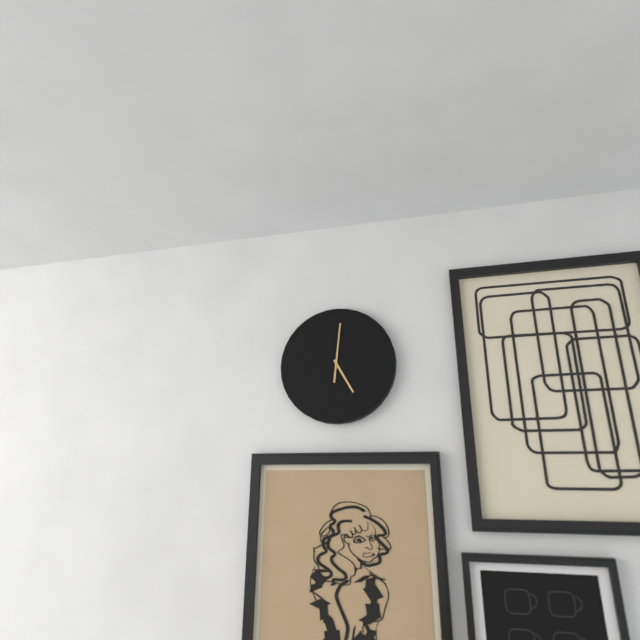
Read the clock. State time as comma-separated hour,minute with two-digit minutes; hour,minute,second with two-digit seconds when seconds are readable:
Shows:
5,01
